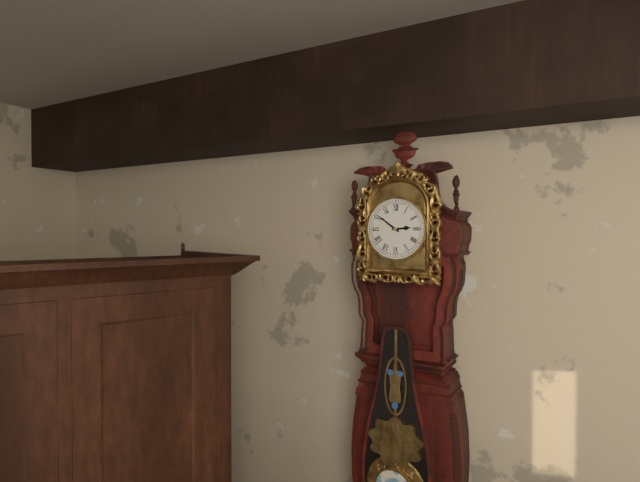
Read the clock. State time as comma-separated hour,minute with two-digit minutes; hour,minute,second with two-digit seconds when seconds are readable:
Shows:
2,51
